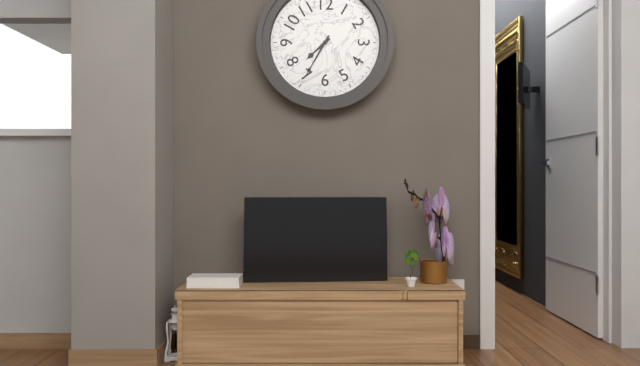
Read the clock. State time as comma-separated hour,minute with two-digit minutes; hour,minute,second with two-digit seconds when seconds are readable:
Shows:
7,35
